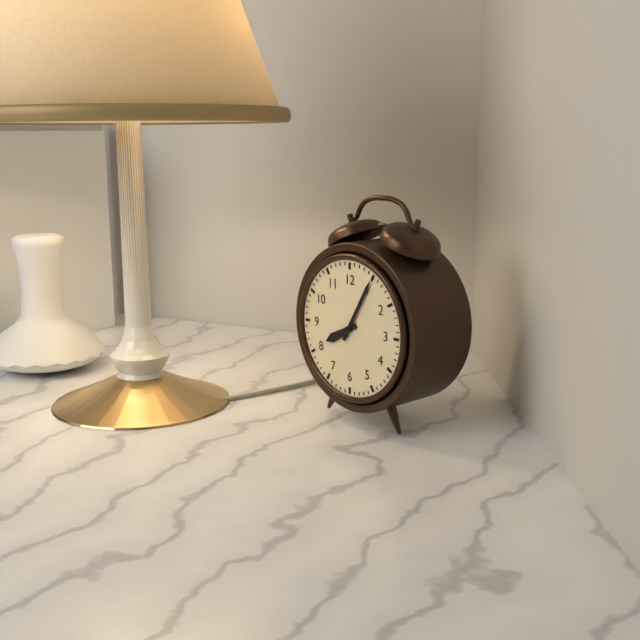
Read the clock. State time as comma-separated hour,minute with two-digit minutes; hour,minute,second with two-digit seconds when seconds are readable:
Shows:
8,05
